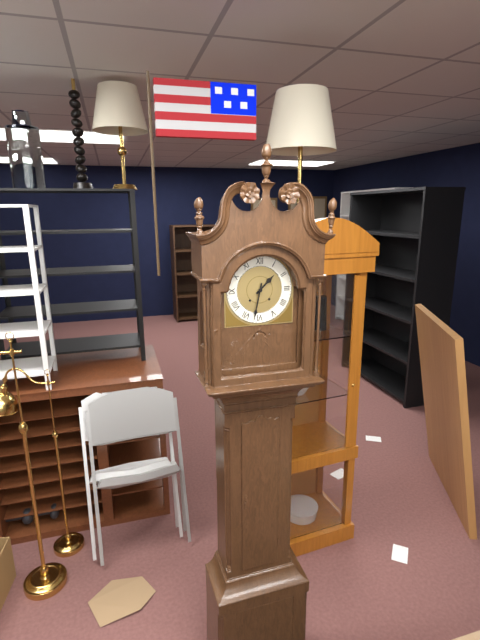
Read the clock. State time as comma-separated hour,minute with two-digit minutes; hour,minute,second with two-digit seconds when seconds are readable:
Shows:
1,32
